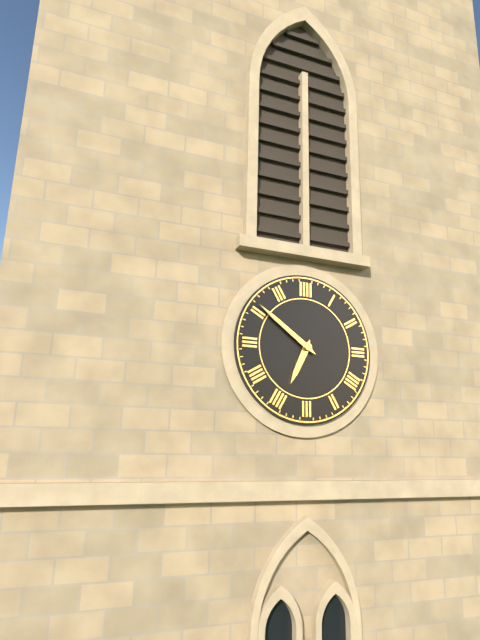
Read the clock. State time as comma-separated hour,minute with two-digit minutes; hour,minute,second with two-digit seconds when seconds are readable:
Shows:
6,51
